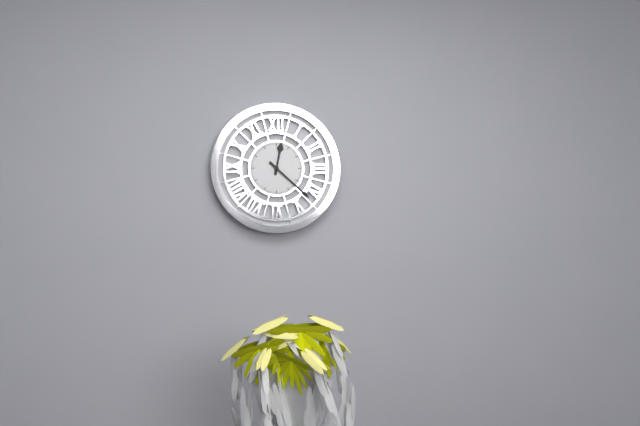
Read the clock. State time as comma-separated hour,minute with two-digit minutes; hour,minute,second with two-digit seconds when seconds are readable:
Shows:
12,22
